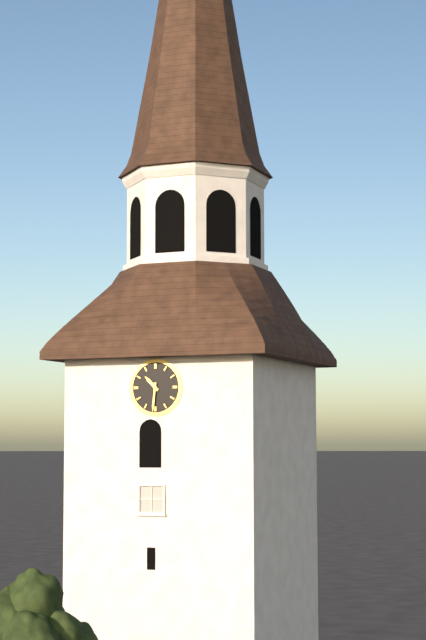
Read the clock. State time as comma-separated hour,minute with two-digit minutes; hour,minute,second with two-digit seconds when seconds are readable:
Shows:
10,31
